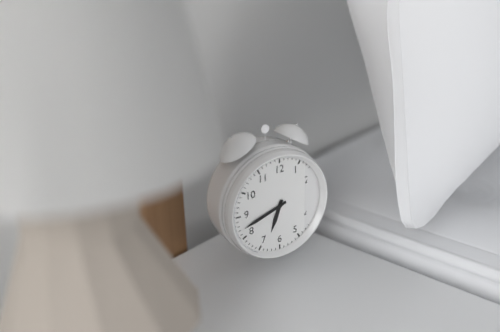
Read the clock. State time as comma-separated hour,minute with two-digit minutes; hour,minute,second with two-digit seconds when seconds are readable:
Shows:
6,42
